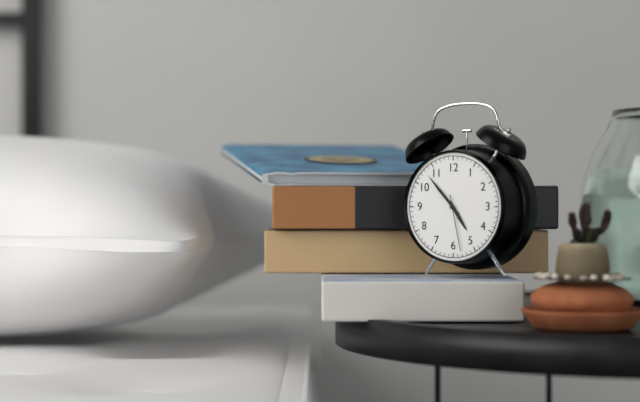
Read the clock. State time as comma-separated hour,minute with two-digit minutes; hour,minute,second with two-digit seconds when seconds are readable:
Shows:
4,53,28
